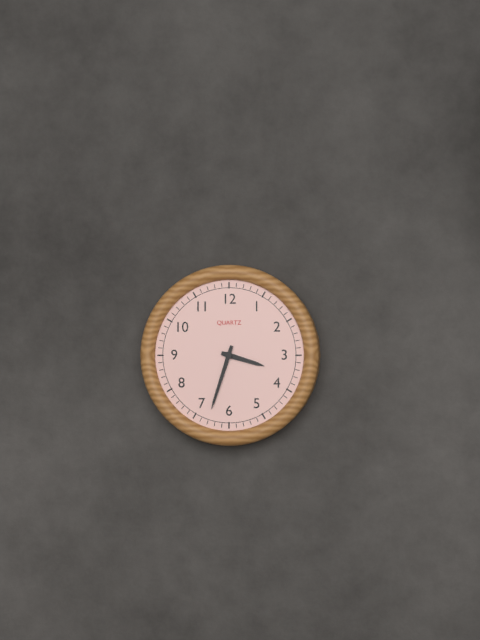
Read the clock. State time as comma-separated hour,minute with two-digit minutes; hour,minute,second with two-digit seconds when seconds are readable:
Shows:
3,33
